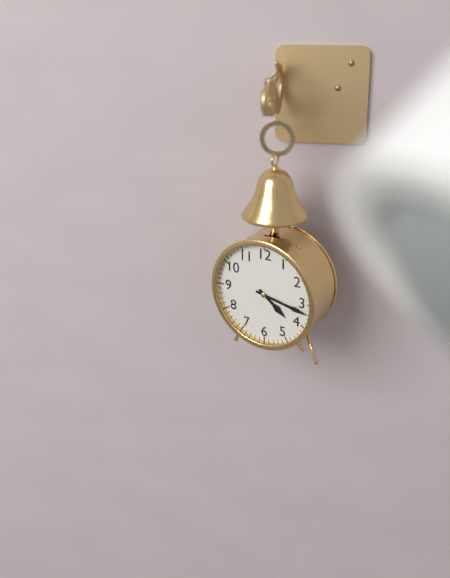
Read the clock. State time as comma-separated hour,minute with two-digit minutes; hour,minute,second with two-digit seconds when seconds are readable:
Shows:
4,17
